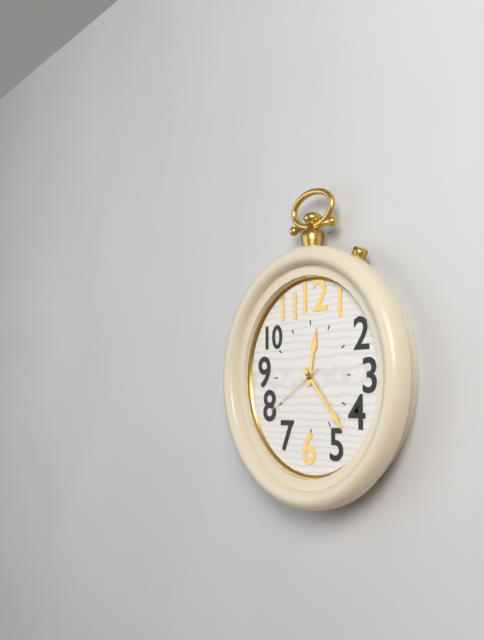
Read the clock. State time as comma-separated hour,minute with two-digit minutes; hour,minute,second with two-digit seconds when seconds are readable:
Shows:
12,23,40
